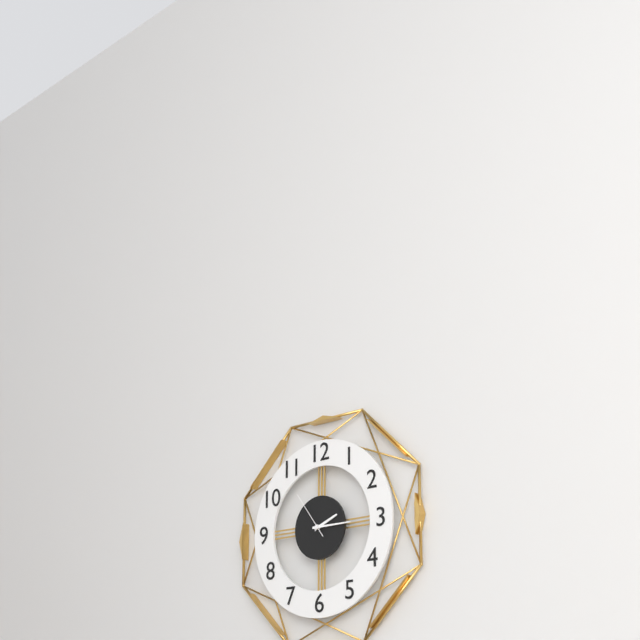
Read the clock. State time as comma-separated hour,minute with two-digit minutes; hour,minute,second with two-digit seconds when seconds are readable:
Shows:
2,15,54
